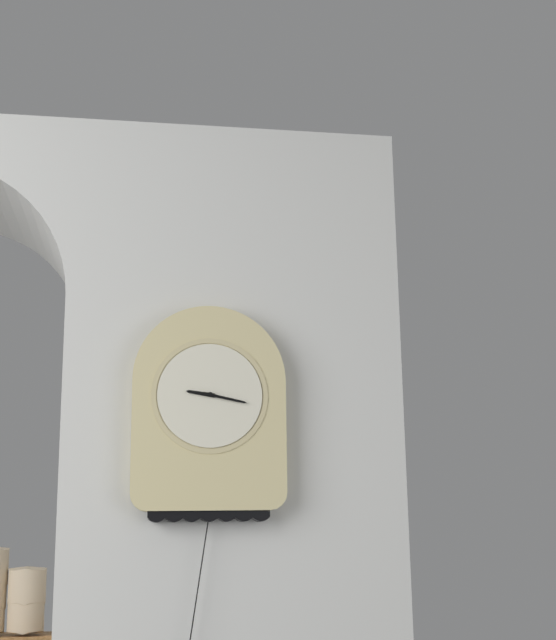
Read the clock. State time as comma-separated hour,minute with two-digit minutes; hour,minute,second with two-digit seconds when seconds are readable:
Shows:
9,17
